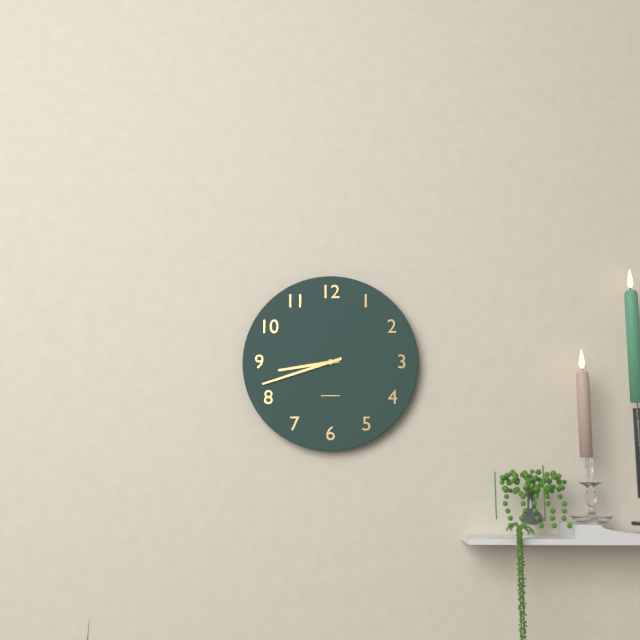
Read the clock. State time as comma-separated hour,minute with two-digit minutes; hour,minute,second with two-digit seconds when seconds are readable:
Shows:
8,42
